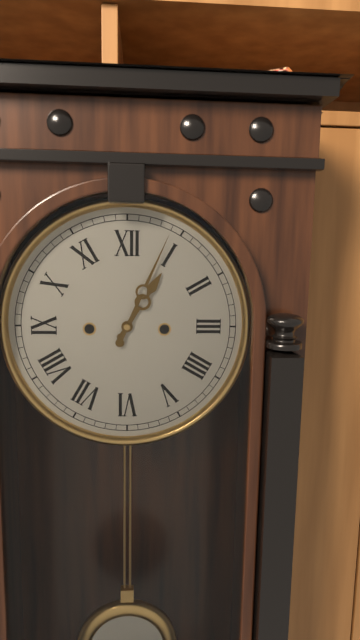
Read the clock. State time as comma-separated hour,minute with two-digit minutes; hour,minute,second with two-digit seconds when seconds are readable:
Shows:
1,04
